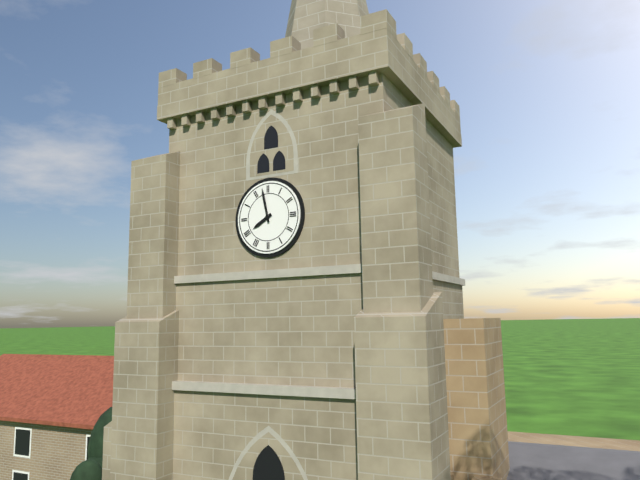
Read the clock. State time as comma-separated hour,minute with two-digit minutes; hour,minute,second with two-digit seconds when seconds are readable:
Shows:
7,58
